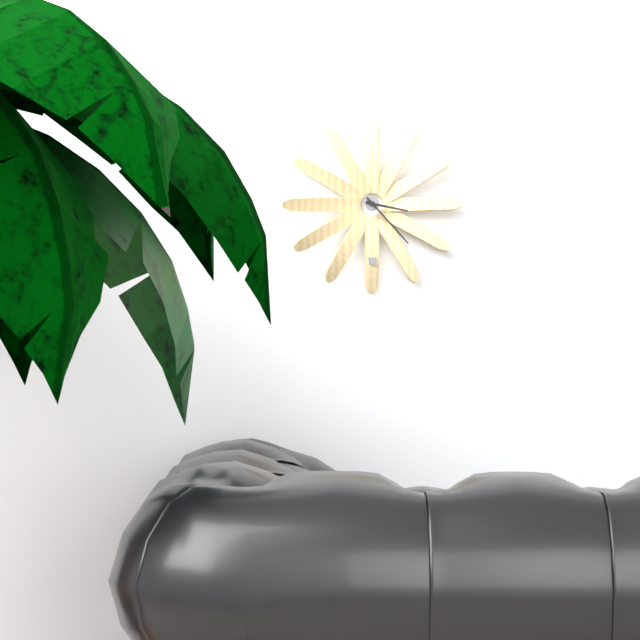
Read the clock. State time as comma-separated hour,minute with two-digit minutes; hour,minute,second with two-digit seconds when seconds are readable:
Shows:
3,23
